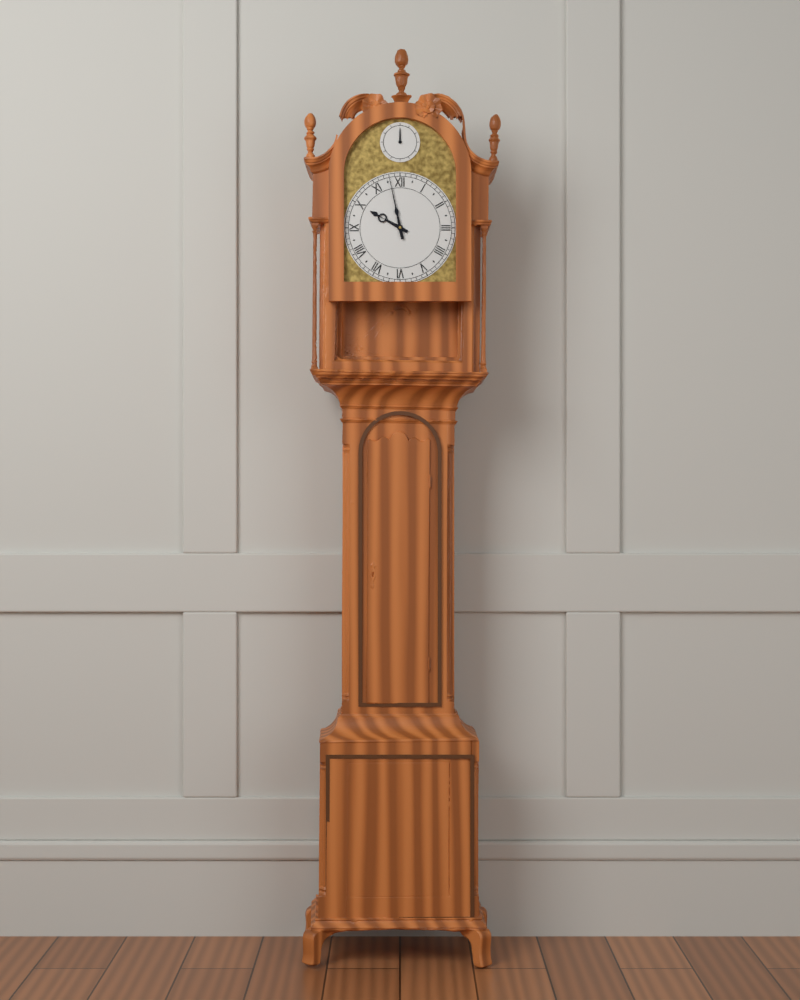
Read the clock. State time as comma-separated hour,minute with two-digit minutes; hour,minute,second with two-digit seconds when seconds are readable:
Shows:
9,58
